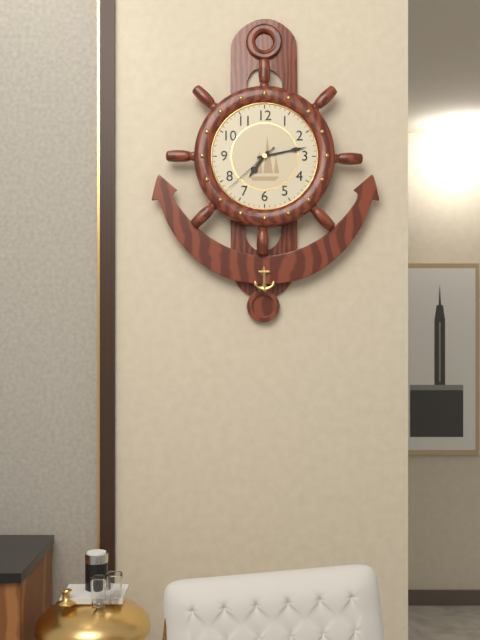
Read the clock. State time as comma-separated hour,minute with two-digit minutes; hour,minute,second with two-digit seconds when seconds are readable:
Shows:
7,13,38
